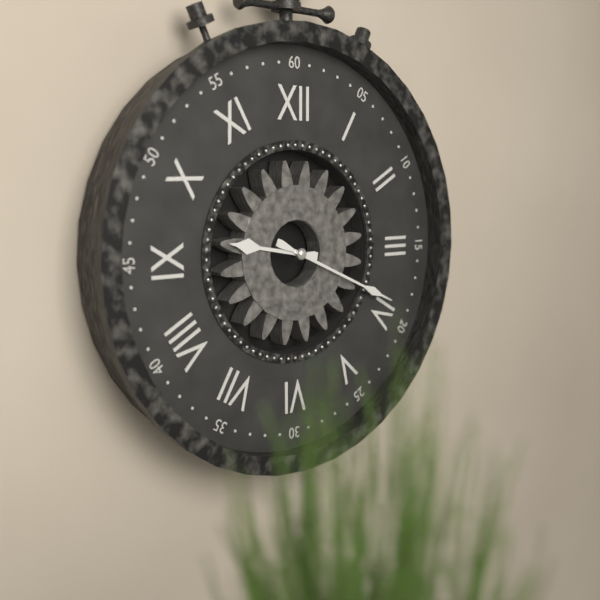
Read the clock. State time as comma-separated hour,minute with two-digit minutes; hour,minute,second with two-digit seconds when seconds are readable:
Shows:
9,19
